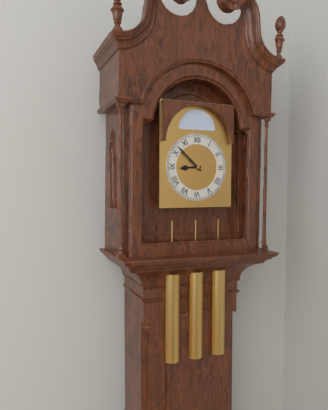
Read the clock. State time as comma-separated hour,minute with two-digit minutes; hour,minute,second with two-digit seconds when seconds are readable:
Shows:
8,52
